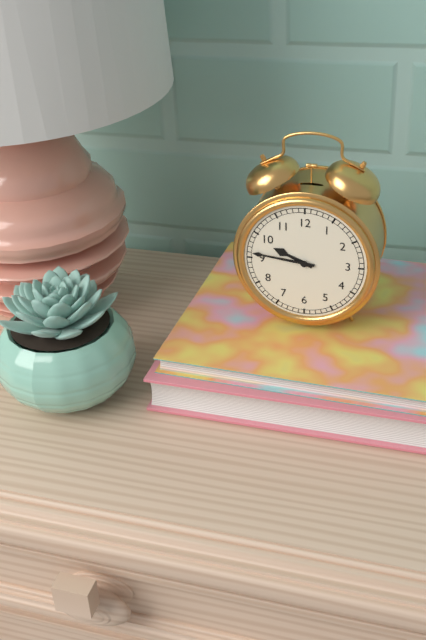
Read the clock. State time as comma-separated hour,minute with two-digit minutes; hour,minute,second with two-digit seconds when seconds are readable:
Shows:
9,46
